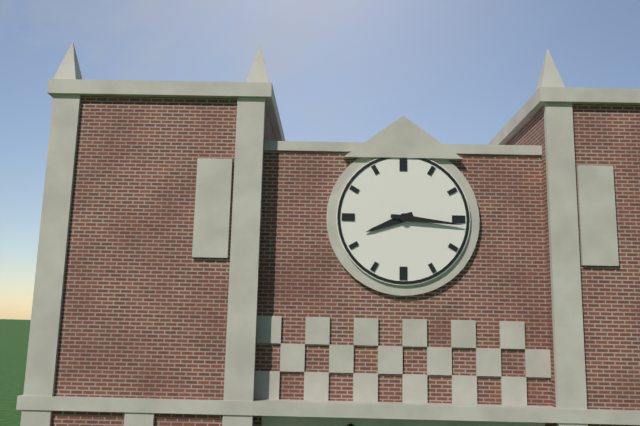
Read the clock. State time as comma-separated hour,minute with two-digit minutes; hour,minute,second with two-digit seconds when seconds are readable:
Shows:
8,16
